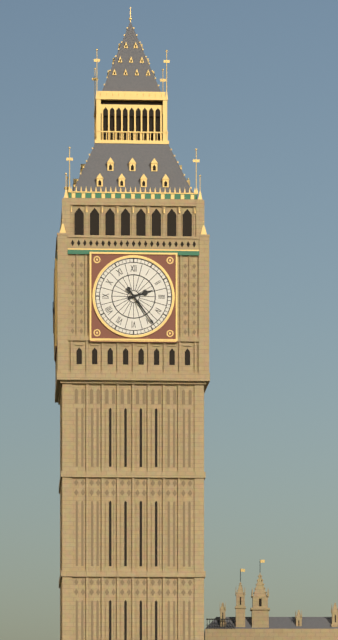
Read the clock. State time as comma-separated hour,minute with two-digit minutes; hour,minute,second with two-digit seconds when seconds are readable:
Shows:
2,24
